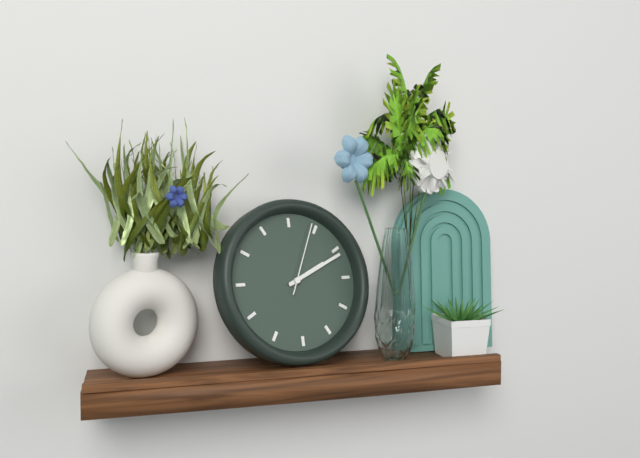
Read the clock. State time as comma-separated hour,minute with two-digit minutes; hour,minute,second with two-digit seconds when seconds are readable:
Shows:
2,11,04
